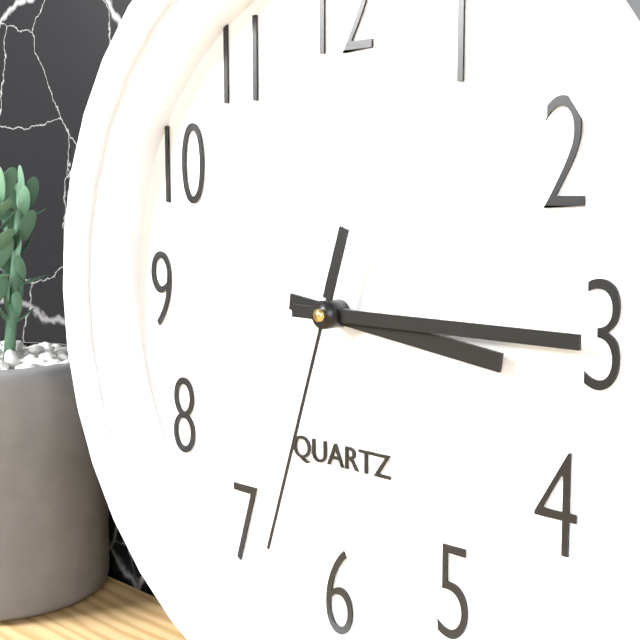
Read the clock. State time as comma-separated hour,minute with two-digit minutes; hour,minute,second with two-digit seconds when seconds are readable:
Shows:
3,15,33
